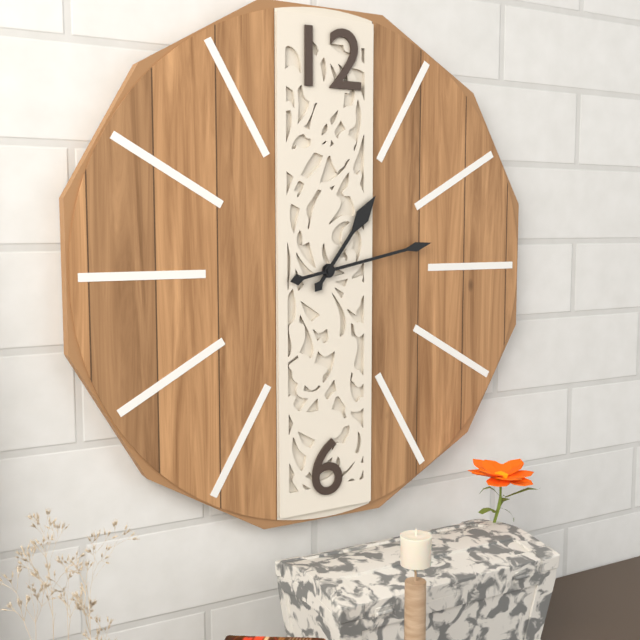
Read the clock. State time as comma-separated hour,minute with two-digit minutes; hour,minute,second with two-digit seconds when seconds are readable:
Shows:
1,13
